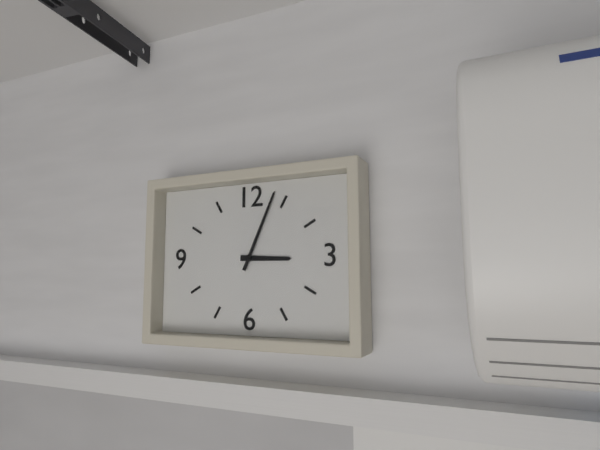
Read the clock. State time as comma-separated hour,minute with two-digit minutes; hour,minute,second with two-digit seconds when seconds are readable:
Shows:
3,04
